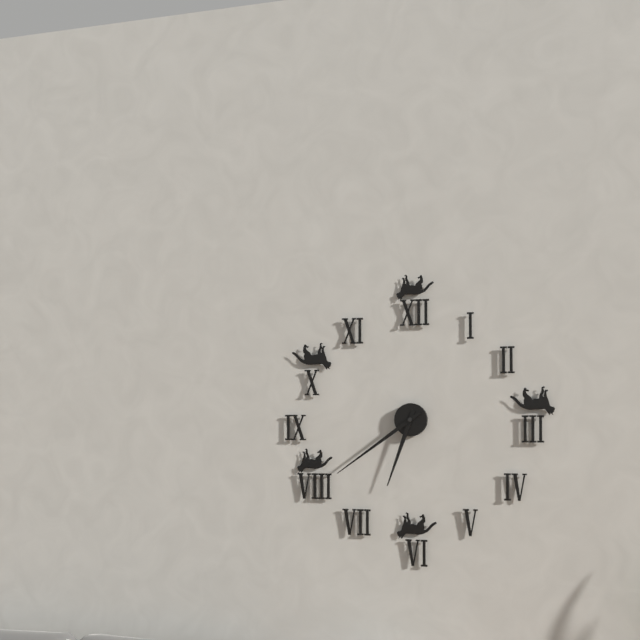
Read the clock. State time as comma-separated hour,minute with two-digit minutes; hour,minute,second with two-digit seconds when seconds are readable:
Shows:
6,39
